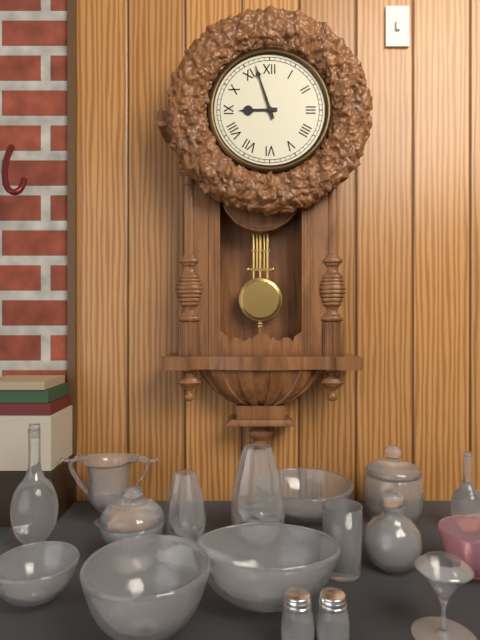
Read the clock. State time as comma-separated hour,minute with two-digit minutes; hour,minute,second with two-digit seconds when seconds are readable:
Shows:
8,57
